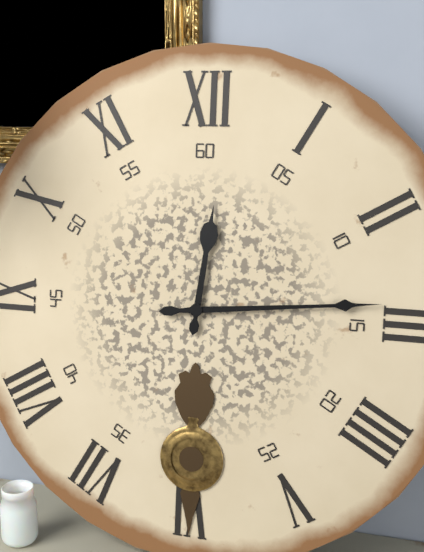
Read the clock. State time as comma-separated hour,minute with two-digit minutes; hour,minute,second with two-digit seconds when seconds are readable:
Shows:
12,14
